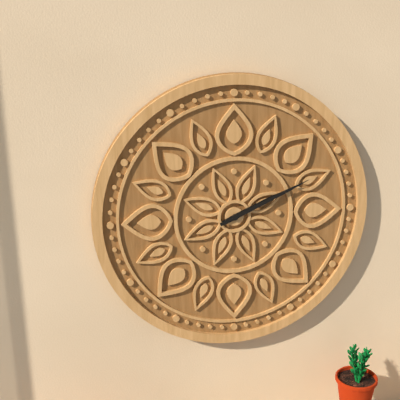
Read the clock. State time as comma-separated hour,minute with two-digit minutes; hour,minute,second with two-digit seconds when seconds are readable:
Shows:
2,11
